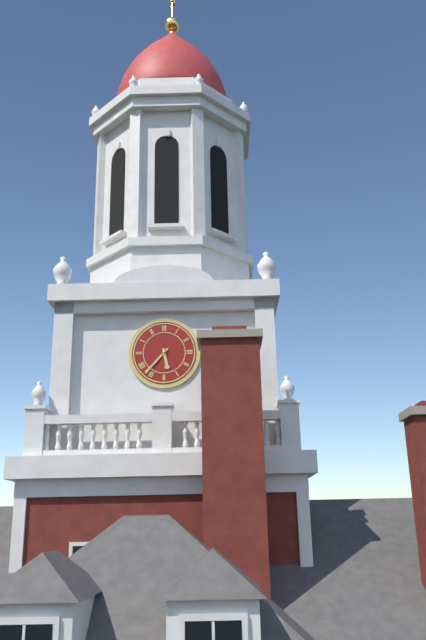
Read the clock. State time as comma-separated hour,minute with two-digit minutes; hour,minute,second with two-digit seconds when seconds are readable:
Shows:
5,37
